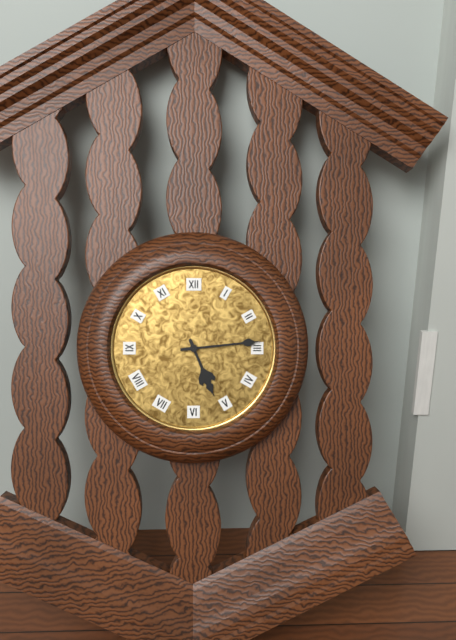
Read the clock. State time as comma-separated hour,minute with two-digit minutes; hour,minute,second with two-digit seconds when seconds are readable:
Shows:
5,14
